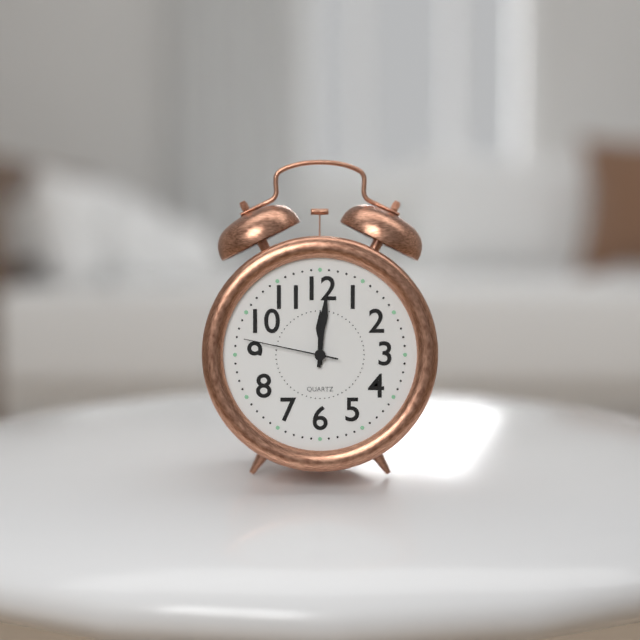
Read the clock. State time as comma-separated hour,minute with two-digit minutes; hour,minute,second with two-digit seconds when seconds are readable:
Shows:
12,01,47
